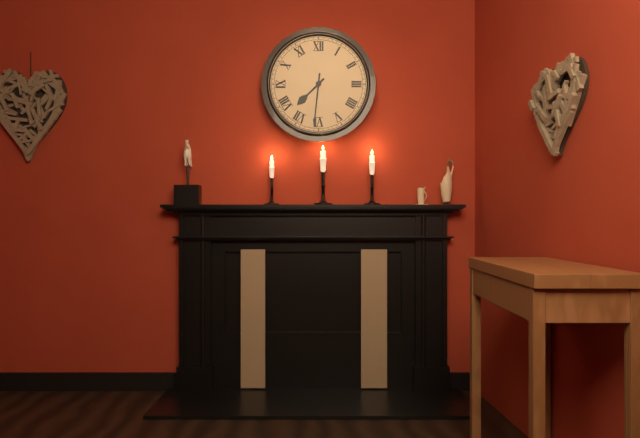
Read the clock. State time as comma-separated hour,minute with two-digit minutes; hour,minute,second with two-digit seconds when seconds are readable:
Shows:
7,31
